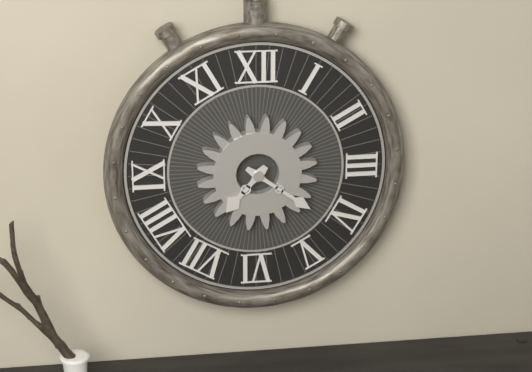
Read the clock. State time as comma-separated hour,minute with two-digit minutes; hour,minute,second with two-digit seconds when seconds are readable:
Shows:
7,21
